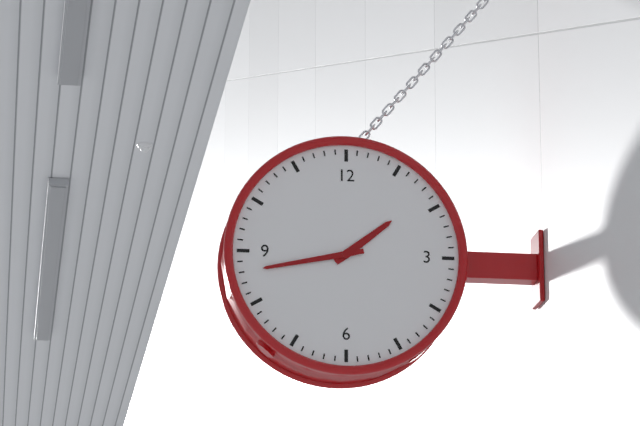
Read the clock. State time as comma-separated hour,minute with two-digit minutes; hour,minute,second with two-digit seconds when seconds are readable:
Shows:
1,43
